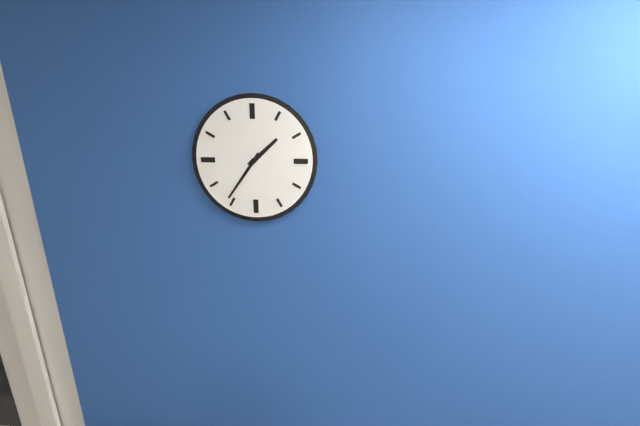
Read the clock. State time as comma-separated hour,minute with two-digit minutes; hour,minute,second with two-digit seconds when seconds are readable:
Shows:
1,36
